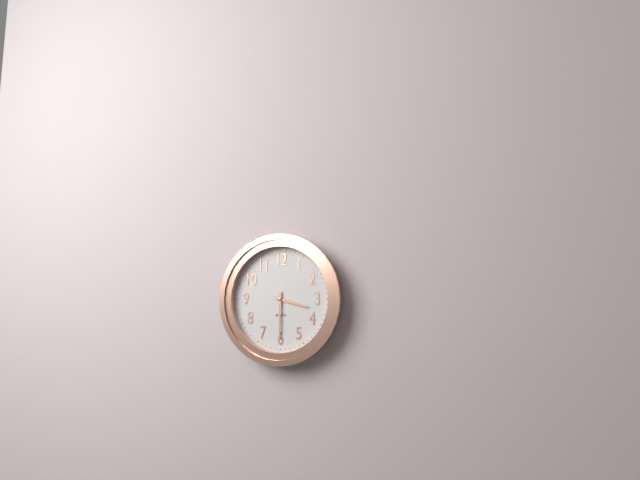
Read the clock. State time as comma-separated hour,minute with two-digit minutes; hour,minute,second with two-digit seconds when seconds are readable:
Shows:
3,30
